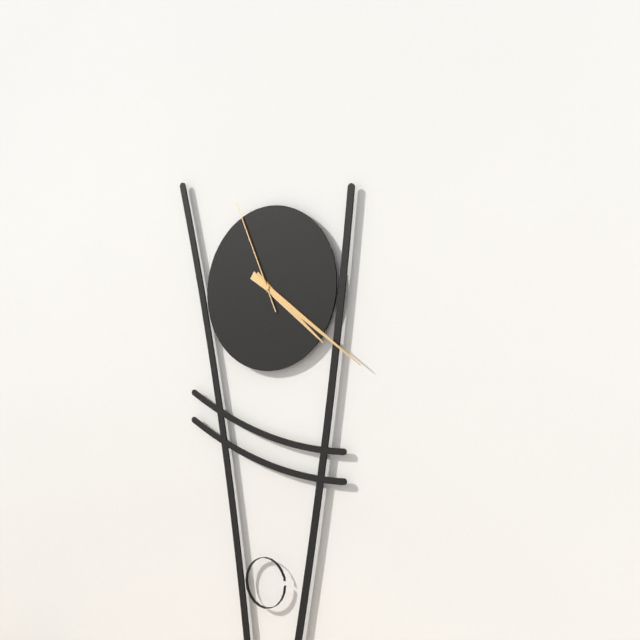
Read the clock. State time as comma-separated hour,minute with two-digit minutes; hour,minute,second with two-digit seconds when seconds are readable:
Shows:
4,21,56
